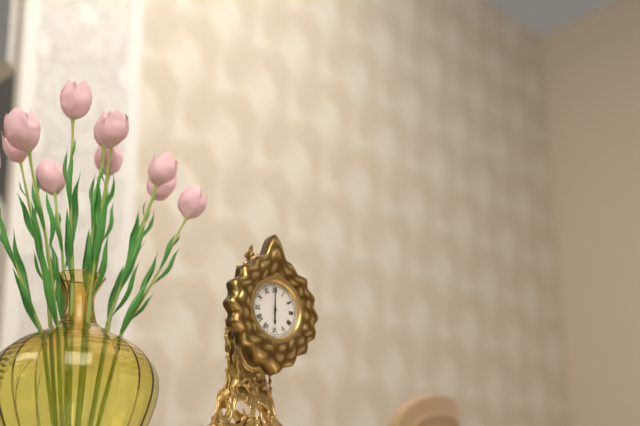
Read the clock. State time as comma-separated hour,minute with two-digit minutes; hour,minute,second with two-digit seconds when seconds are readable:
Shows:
6,00
